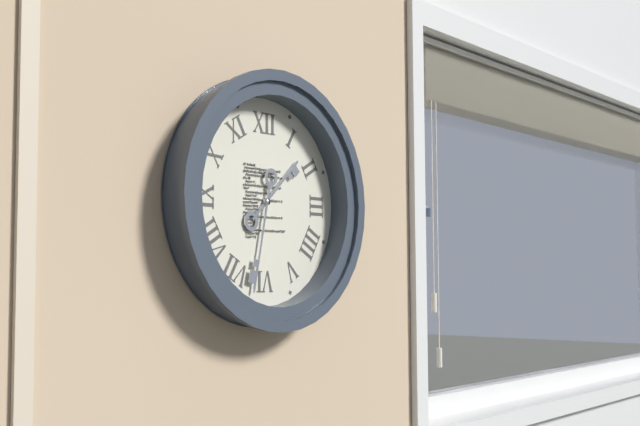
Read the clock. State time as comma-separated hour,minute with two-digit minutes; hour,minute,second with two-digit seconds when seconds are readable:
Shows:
1,32
